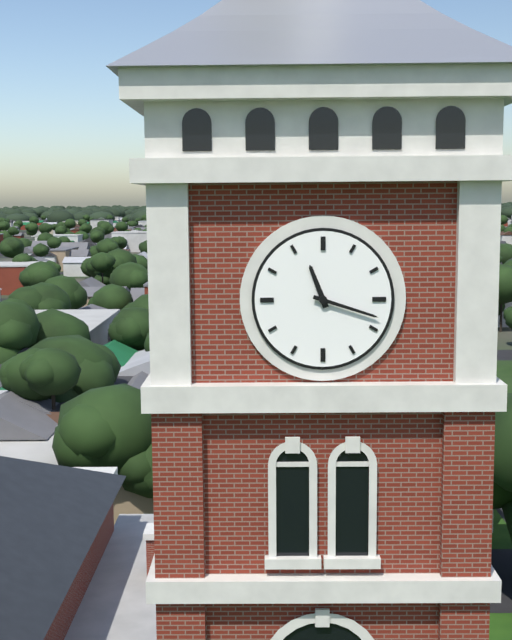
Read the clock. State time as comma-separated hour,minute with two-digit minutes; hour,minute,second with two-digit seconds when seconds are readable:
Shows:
11,18
